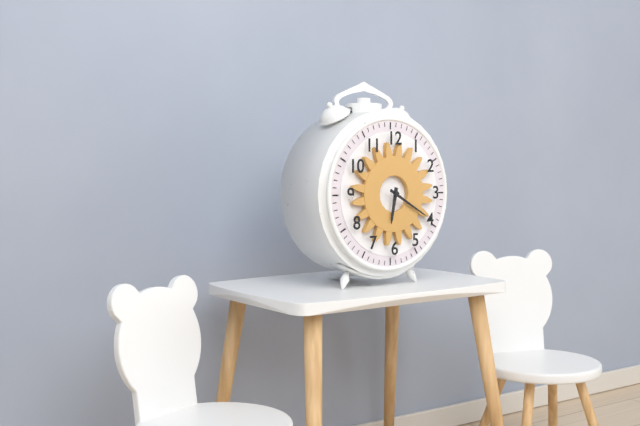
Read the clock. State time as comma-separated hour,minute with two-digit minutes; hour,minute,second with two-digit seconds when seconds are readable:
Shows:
6,20
